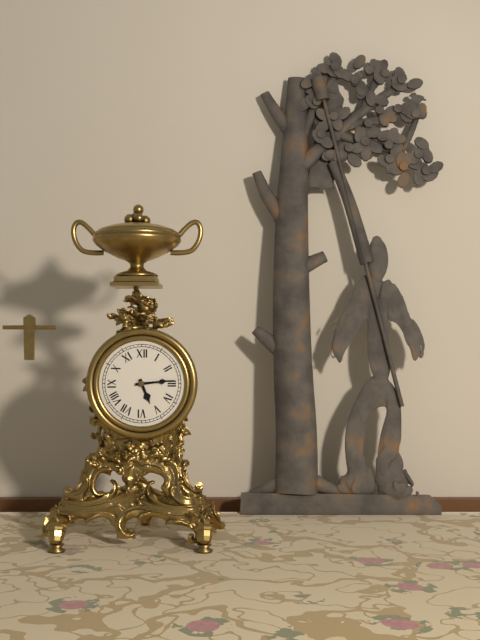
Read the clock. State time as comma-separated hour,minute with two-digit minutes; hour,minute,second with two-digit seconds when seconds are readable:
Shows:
5,14
